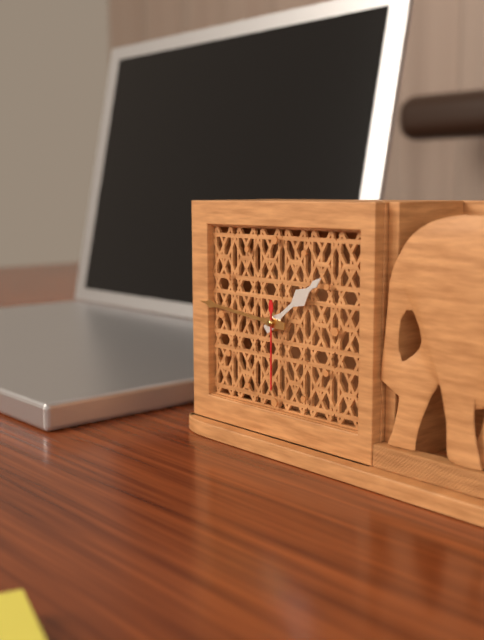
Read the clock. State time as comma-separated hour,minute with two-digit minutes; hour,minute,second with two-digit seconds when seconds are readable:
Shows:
1,46,30
